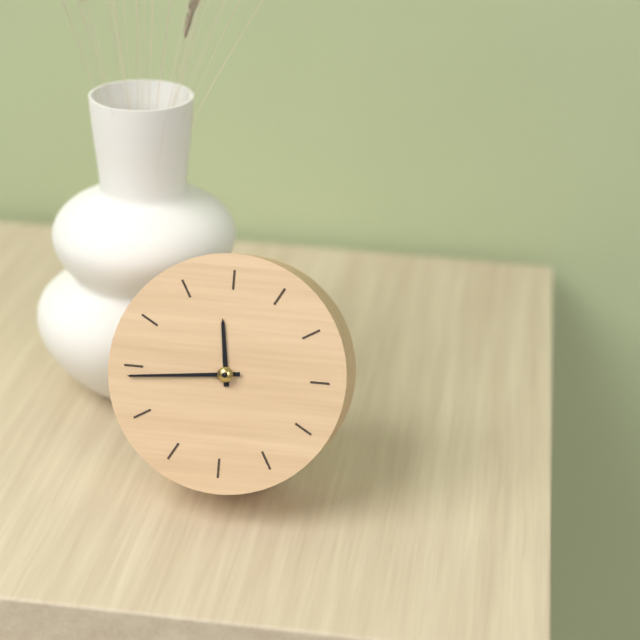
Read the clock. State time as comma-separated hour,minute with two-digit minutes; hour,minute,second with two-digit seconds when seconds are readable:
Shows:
11,44
